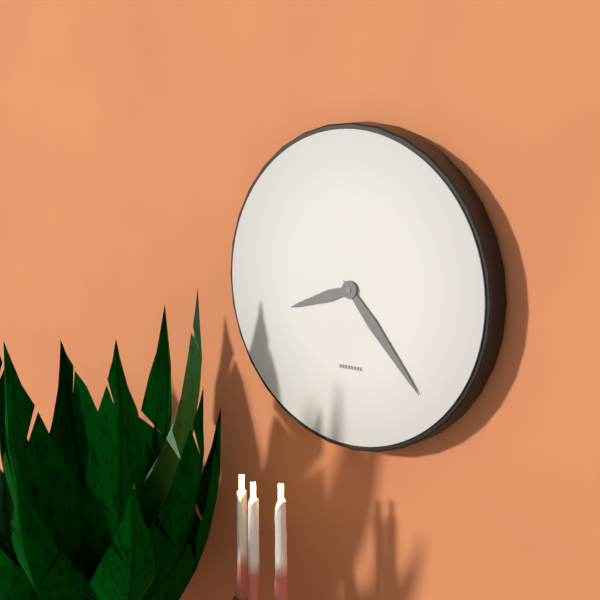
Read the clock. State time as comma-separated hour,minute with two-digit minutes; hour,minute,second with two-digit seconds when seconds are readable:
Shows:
8,23
